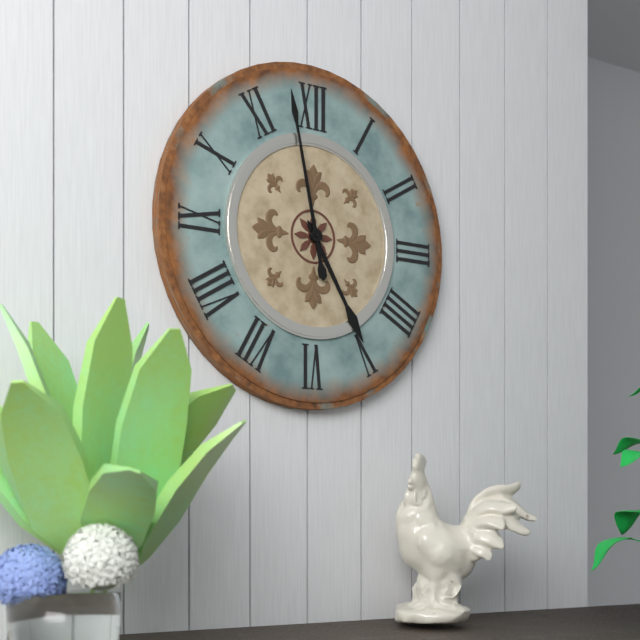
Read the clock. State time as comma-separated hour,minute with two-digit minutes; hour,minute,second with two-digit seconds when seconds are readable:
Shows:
4,58
